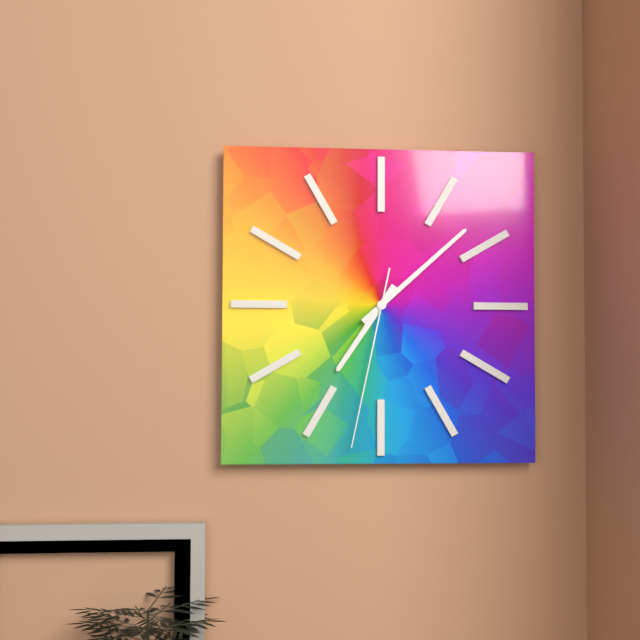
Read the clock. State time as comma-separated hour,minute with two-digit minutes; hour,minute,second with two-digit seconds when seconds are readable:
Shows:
7,08,32
